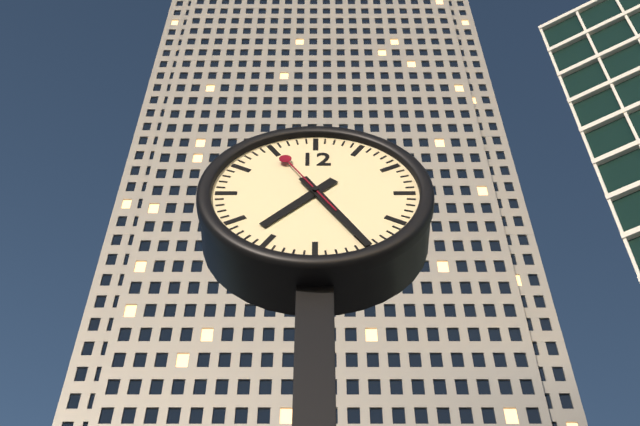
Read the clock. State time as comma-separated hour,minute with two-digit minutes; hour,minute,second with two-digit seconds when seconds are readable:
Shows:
7,25,55
